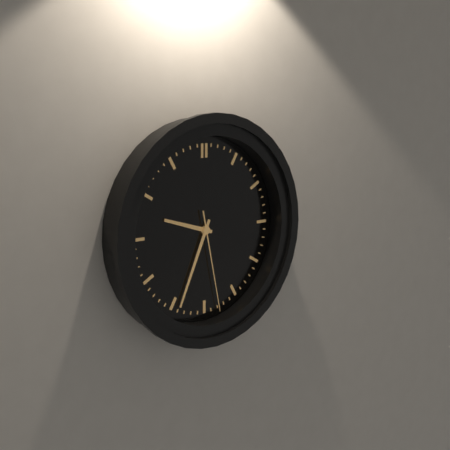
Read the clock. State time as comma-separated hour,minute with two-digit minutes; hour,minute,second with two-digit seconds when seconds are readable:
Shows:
9,34,28
